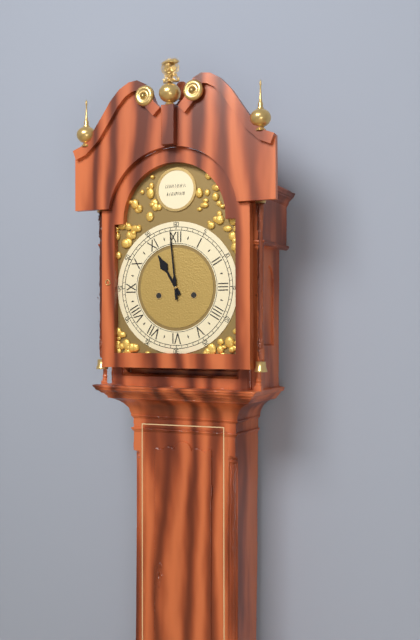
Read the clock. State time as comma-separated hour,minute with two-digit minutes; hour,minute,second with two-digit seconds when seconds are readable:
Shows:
10,59
